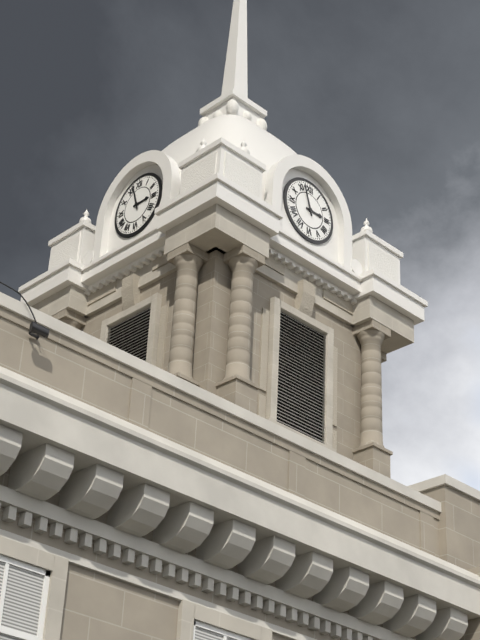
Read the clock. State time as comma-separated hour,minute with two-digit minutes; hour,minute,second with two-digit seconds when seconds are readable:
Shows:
2,57
